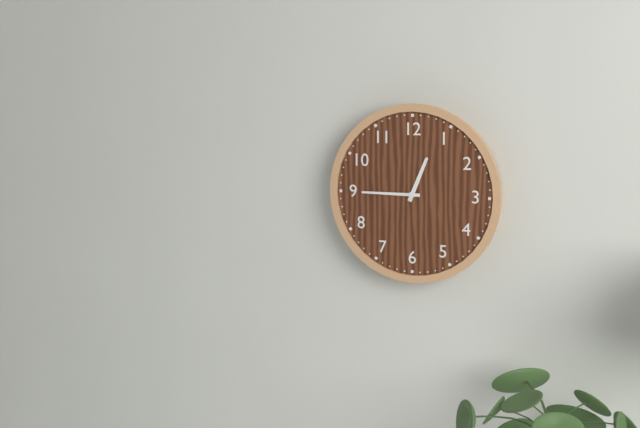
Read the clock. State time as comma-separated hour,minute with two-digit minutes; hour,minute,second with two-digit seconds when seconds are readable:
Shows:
12,45
